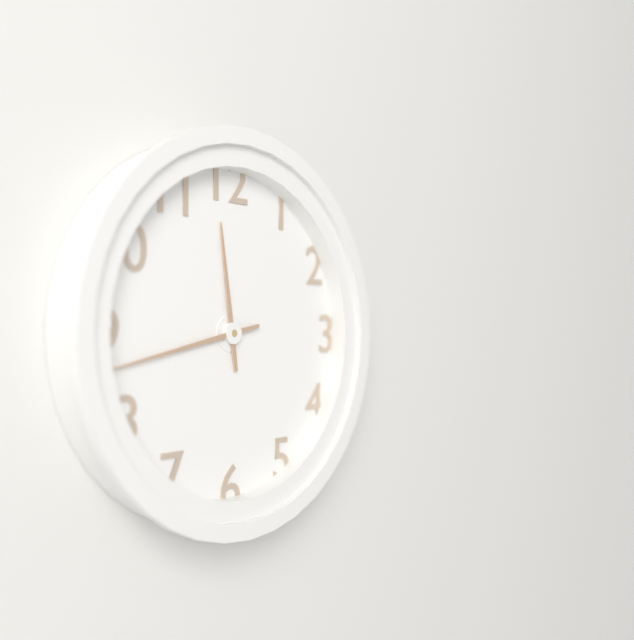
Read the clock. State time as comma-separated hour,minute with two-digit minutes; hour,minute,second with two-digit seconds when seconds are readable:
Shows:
11,43
